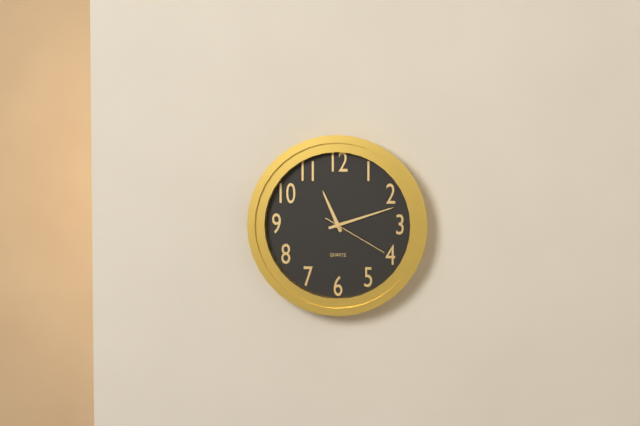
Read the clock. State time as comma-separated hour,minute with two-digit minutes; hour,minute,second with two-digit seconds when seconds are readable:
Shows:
11,12,20
